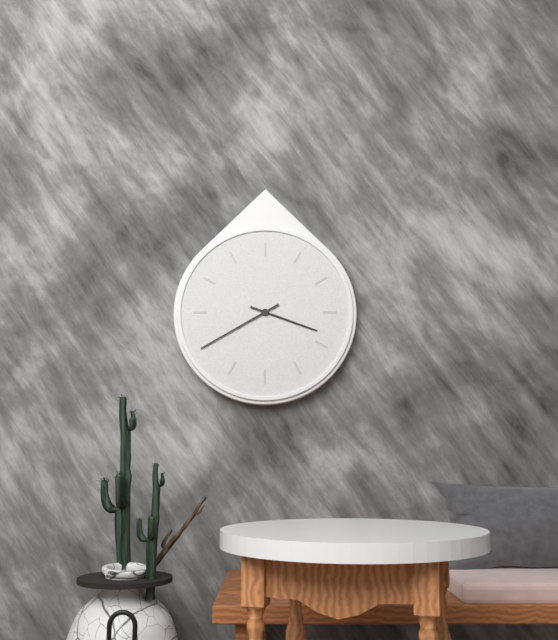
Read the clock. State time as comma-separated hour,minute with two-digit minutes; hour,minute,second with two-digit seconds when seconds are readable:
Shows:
3,40
